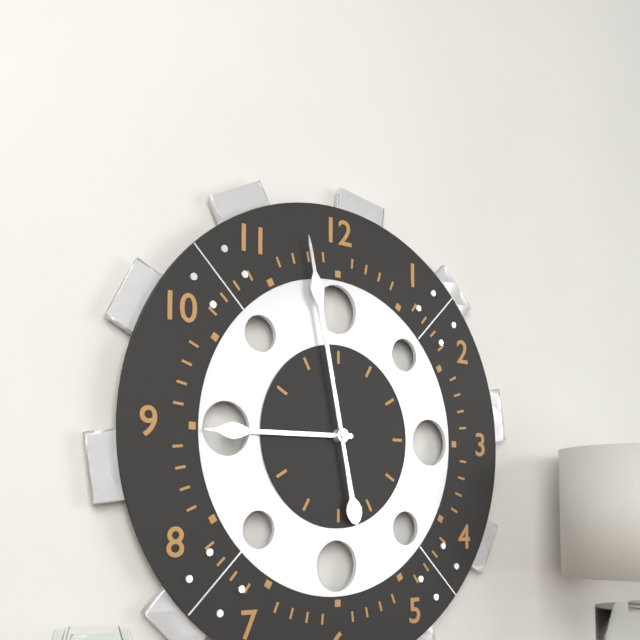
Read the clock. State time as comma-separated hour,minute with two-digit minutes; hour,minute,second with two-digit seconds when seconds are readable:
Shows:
8,58
